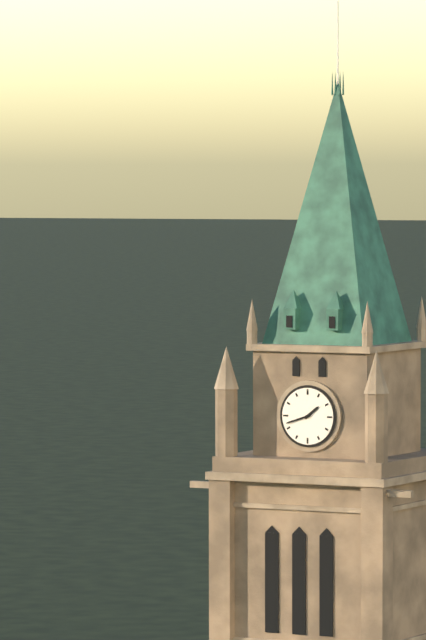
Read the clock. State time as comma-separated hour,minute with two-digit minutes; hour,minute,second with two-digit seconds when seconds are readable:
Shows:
1,42
